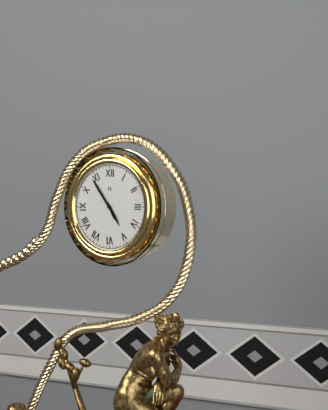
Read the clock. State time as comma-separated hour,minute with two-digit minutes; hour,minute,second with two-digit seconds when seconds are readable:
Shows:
4,54
